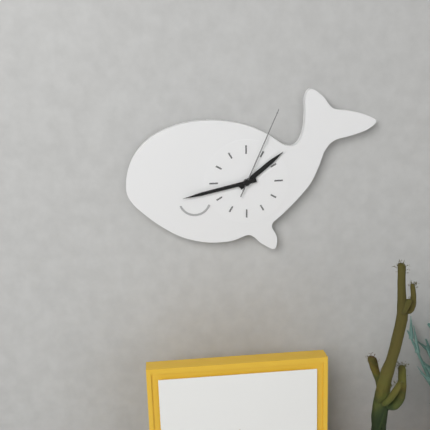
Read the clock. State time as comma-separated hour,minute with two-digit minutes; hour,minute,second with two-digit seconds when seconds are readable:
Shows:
1,43,04
